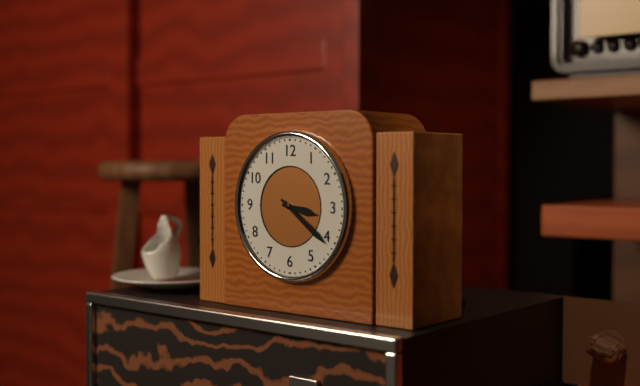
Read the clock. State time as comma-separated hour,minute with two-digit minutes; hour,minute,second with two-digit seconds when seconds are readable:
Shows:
3,21
